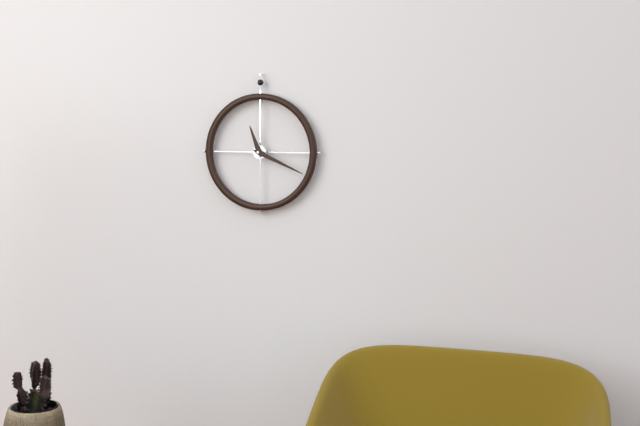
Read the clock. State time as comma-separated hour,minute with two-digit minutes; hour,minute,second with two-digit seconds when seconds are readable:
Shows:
11,19
